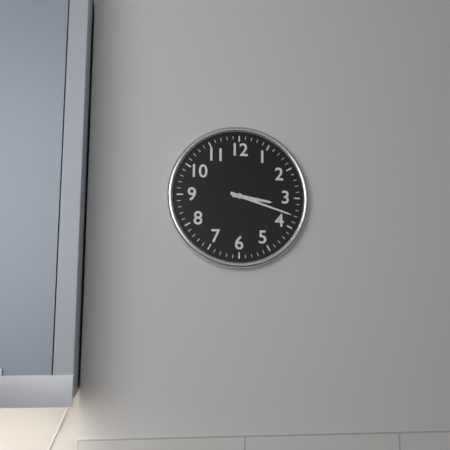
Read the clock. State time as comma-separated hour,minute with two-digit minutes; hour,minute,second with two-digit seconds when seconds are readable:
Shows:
3,18
